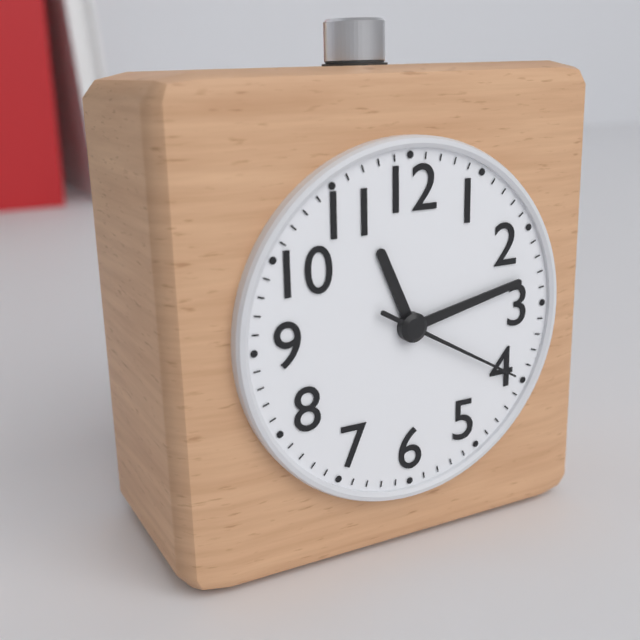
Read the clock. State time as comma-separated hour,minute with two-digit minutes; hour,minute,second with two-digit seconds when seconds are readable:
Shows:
11,13,20
